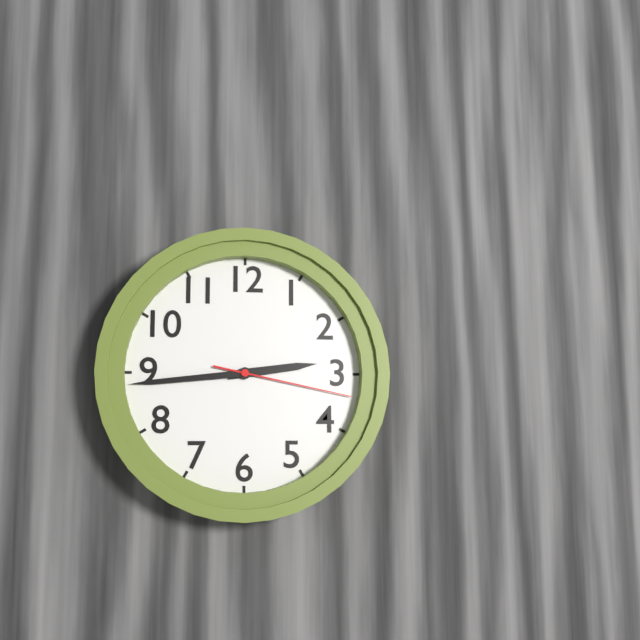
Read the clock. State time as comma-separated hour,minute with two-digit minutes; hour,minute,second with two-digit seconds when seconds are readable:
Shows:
2,44,17
